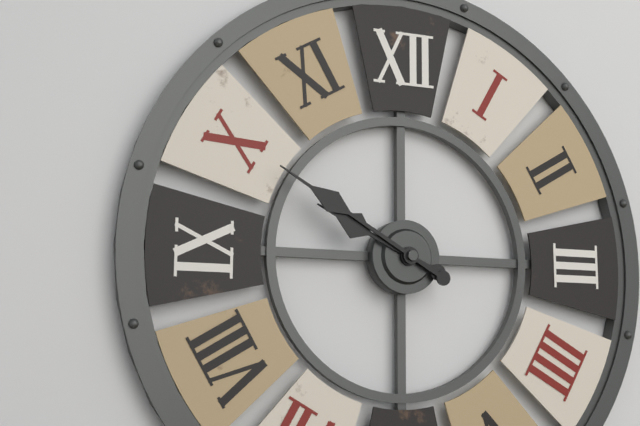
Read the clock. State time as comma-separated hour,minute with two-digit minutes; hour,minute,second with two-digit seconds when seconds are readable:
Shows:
9,50
